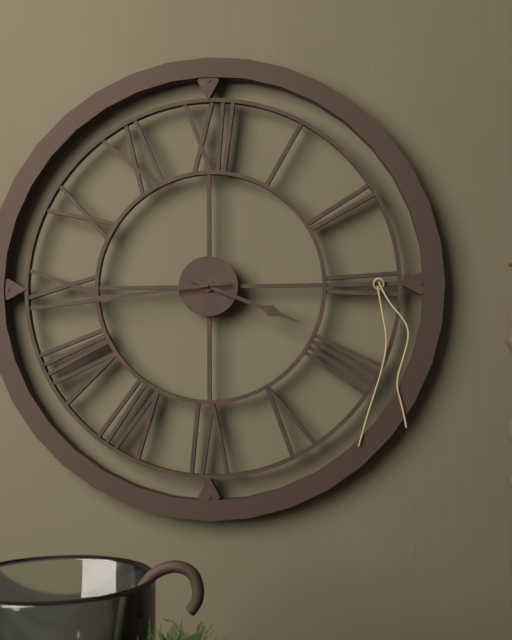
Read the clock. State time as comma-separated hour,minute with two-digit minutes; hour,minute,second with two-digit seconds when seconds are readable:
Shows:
3,44
